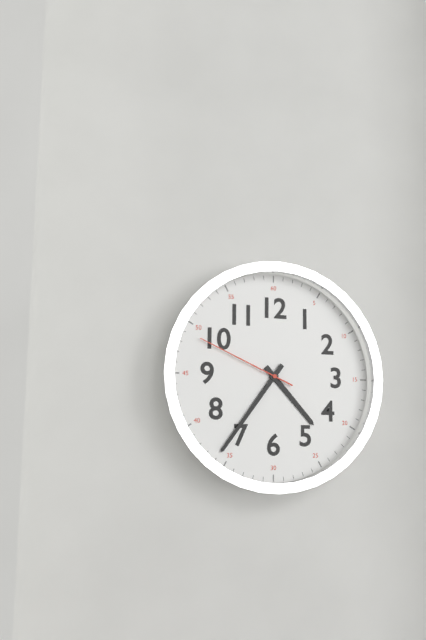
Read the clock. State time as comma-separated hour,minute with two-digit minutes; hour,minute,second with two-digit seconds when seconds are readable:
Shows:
4,36,49
